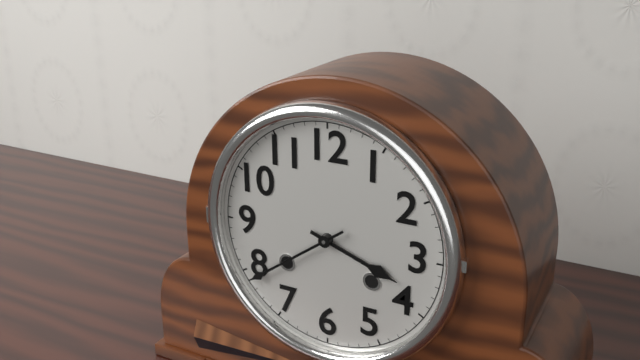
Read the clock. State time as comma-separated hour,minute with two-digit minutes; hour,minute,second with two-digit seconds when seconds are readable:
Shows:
3,39
